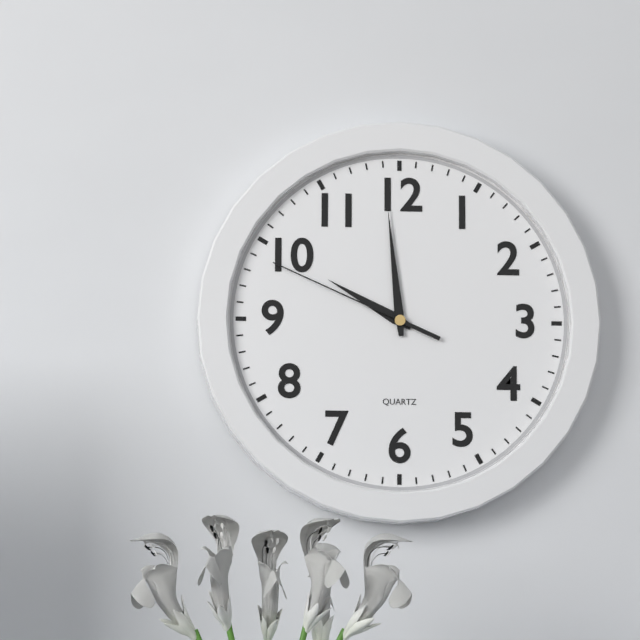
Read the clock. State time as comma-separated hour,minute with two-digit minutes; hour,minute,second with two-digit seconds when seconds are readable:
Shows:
9,59,49
